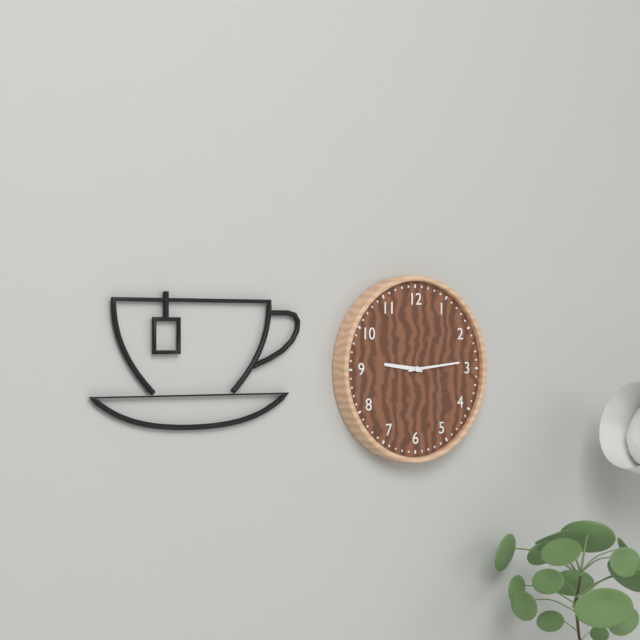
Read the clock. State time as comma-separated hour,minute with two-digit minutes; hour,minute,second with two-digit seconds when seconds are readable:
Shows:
9,14
